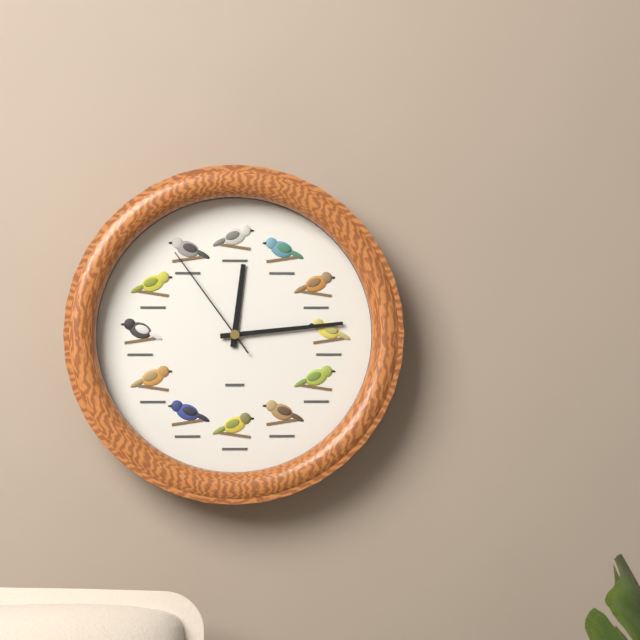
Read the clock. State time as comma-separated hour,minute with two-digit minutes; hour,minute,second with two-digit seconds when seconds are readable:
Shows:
12,14,54
